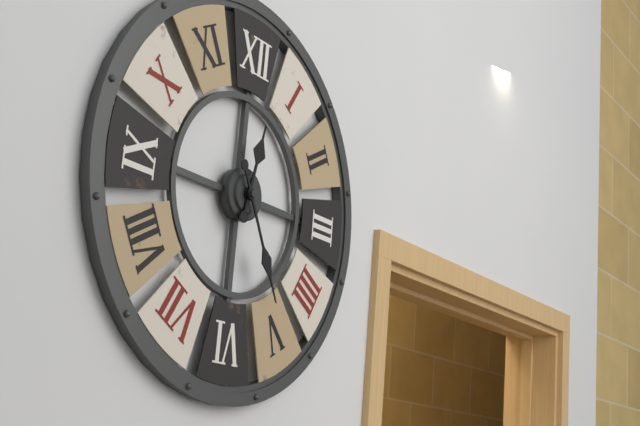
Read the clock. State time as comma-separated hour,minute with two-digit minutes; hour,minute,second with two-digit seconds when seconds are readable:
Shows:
12,25
